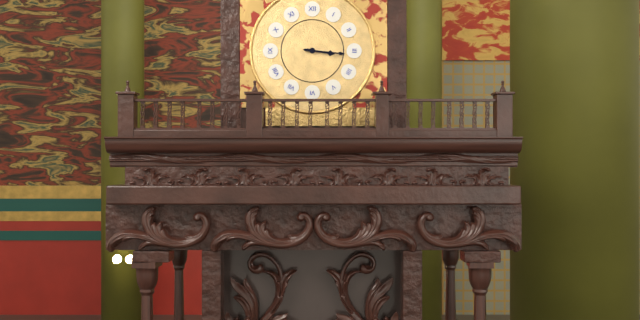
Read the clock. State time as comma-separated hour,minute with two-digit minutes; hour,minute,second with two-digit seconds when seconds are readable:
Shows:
3,16
